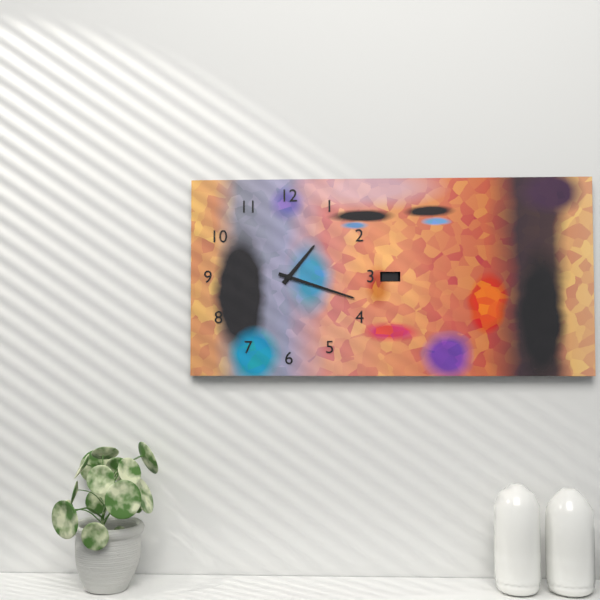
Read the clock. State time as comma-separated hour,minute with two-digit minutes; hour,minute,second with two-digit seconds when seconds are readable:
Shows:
1,18
